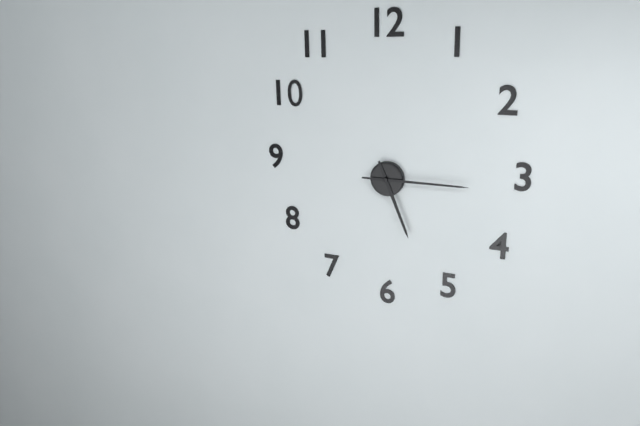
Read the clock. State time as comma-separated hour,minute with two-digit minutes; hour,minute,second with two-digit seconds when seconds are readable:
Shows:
5,15
